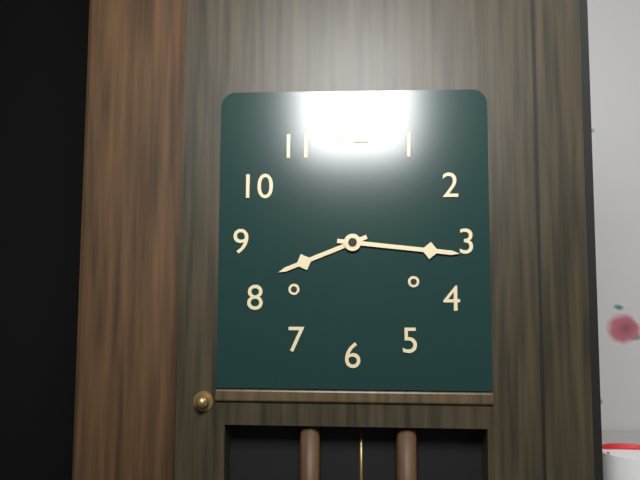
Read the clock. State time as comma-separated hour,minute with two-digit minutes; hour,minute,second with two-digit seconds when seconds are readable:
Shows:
8,16
